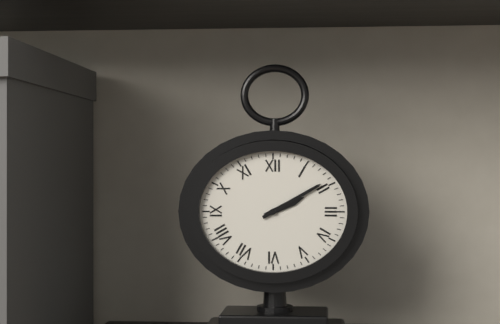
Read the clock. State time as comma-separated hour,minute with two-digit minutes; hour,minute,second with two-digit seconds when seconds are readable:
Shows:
2,10
